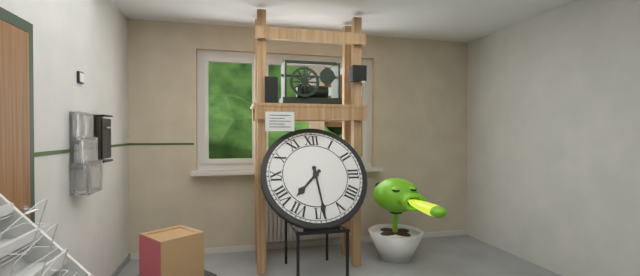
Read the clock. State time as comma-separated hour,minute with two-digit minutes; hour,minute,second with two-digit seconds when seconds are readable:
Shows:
7,29
